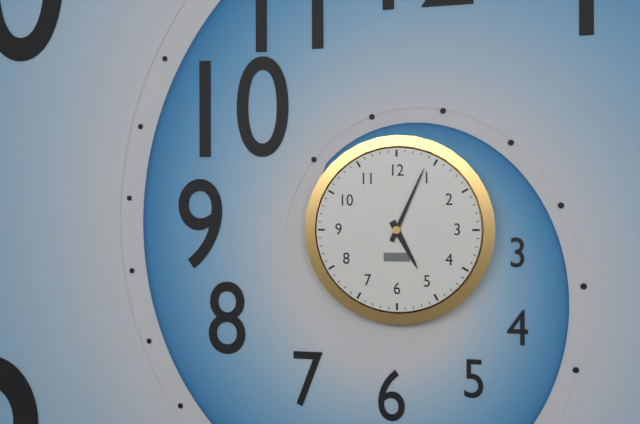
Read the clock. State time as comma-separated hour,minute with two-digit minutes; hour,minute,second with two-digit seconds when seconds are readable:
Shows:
5,04
